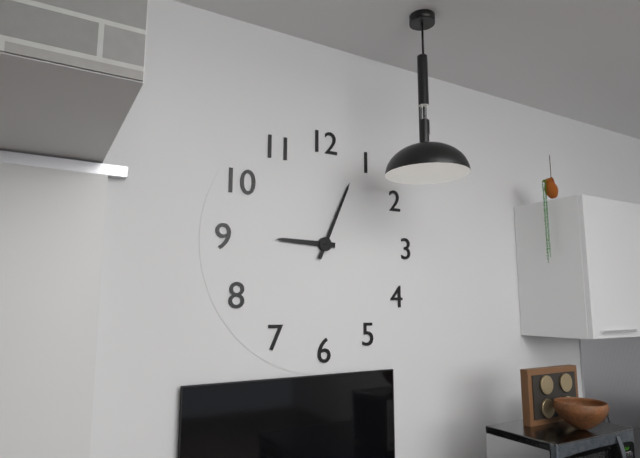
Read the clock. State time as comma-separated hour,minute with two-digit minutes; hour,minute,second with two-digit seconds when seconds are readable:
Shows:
9,04
